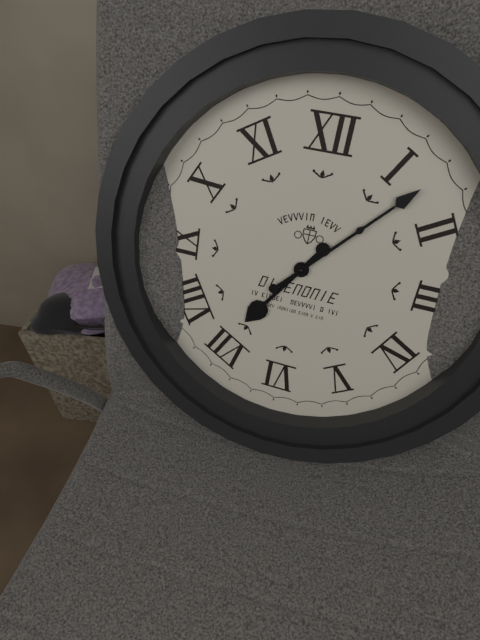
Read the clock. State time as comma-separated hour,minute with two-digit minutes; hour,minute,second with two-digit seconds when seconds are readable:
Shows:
7,07
